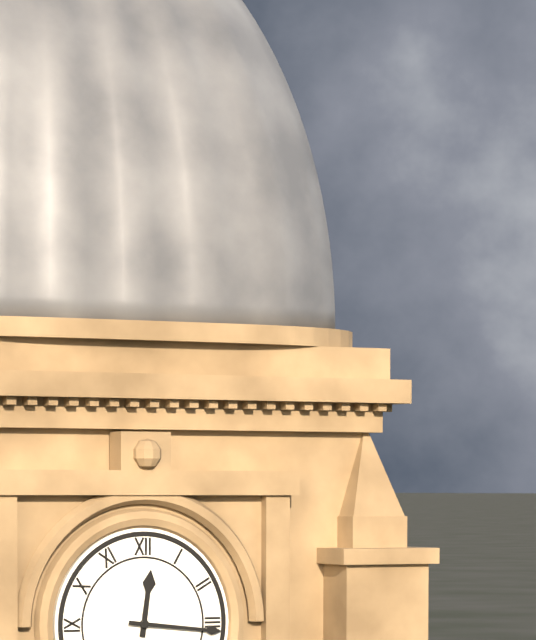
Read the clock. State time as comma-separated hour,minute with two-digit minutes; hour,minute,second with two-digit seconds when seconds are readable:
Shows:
12,16
